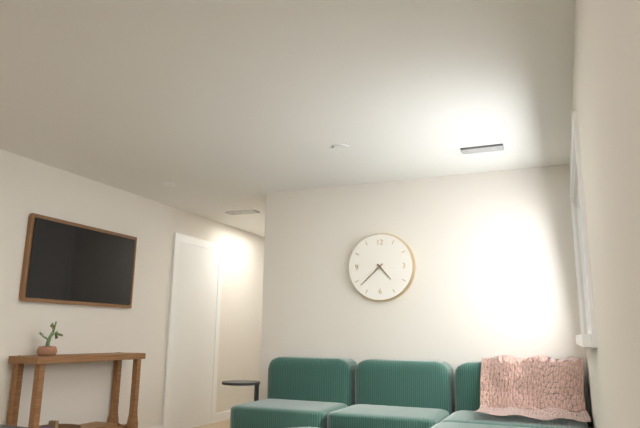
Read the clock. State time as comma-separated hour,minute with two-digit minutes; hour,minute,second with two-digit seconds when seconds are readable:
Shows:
4,38
